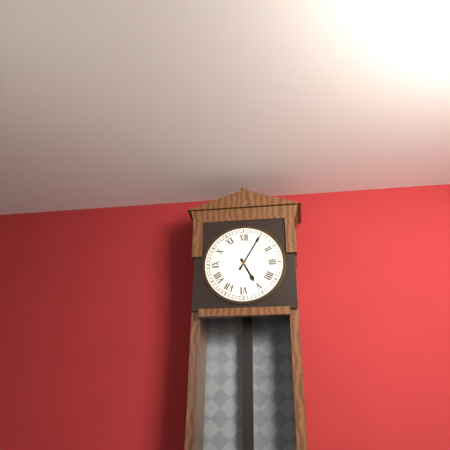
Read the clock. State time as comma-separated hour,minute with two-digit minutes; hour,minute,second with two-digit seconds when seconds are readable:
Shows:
5,05
